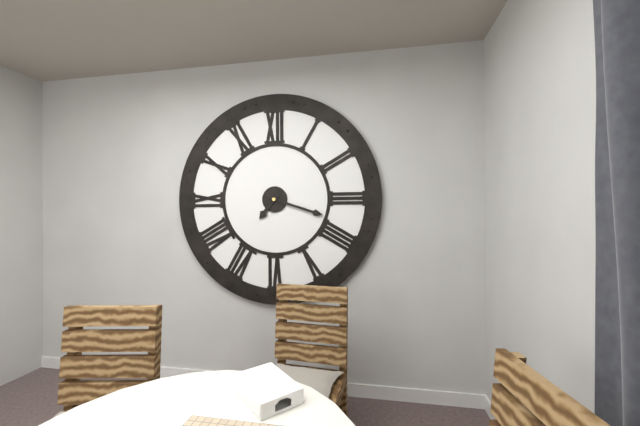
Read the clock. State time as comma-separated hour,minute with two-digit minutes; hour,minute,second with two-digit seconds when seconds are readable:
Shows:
7,18
